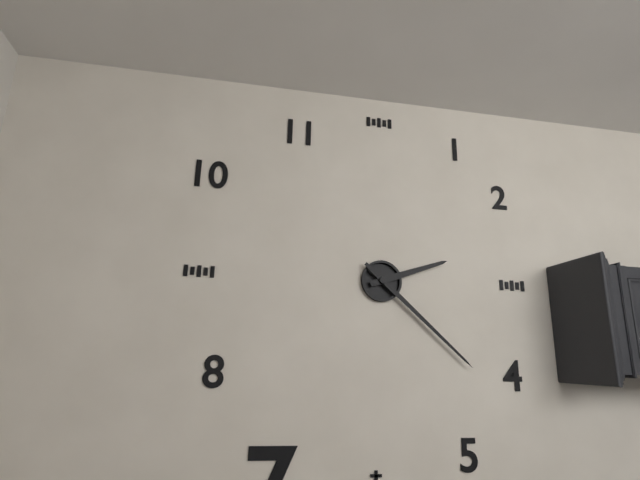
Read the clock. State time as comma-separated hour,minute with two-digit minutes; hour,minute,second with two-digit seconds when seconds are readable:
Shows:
2,22
